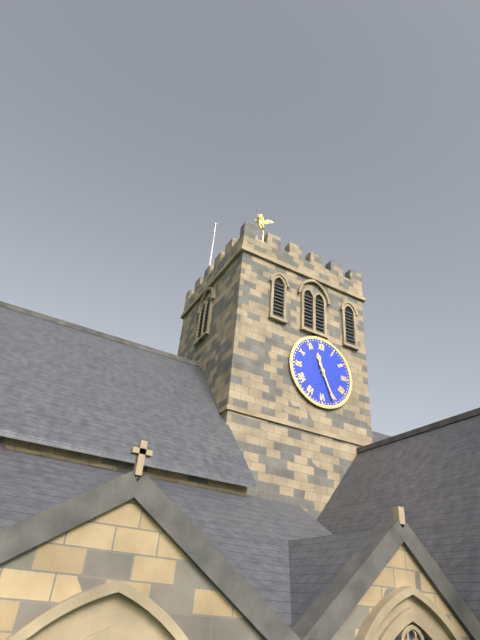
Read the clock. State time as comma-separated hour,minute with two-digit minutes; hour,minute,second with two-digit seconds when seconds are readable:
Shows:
11,26
